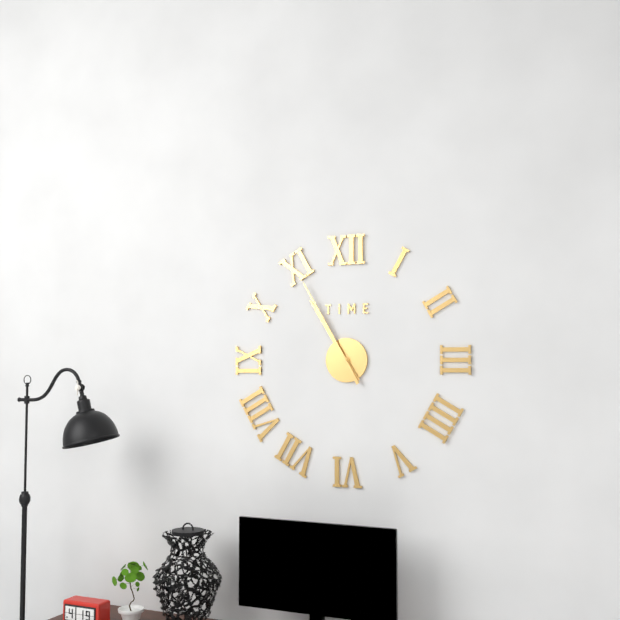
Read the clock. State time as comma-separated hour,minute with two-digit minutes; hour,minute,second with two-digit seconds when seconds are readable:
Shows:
10,55
